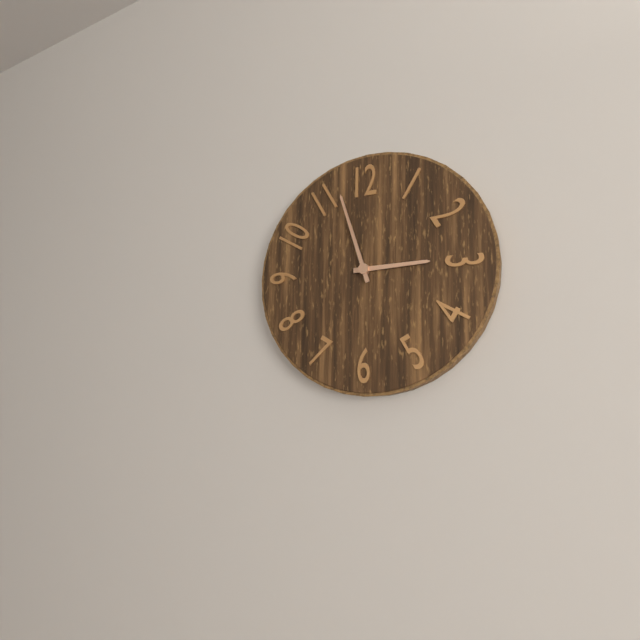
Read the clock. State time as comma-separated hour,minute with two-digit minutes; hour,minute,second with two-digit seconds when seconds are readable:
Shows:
2,57
